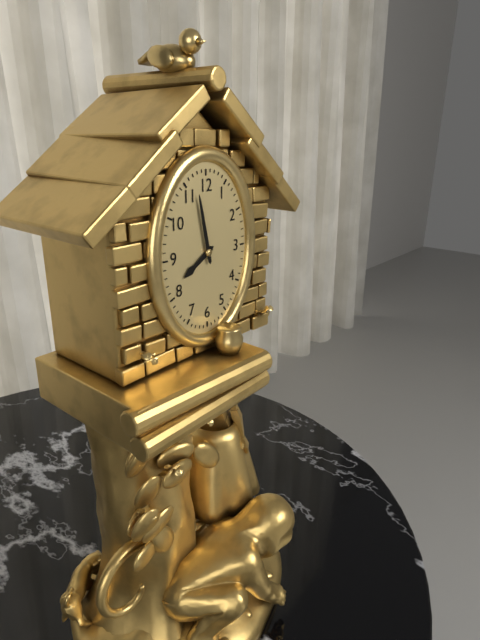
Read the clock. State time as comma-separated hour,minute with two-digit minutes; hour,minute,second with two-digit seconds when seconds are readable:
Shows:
7,58
